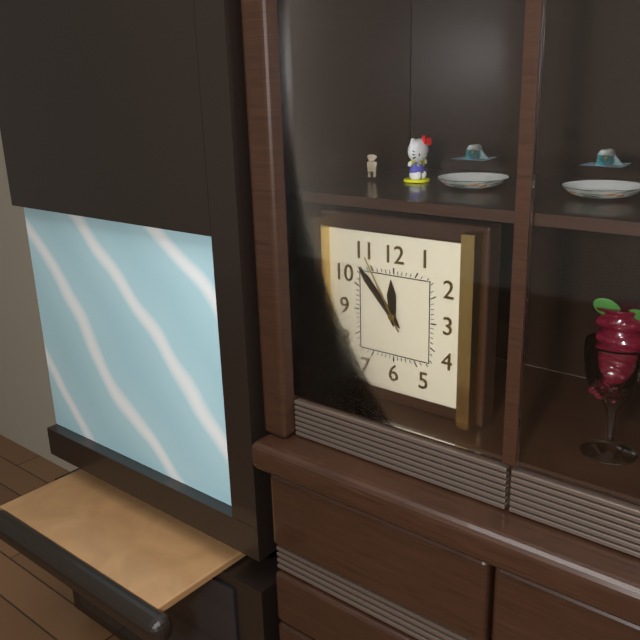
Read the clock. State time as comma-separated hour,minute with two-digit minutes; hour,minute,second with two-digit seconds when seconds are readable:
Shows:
11,53,55
